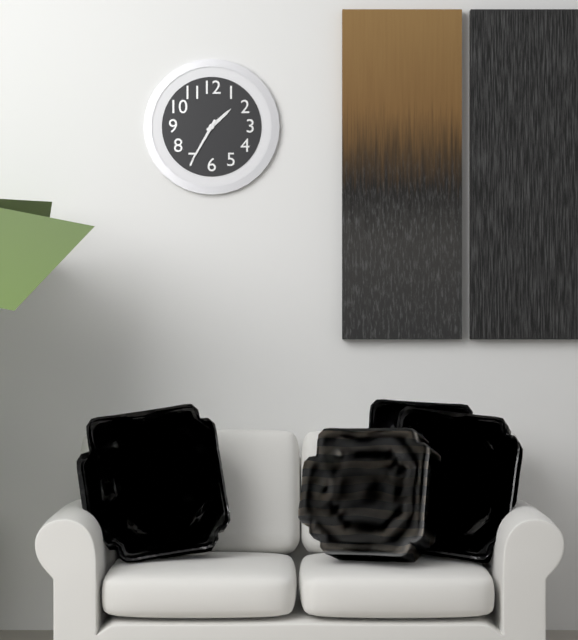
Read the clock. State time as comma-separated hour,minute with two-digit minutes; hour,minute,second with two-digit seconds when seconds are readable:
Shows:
1,35
